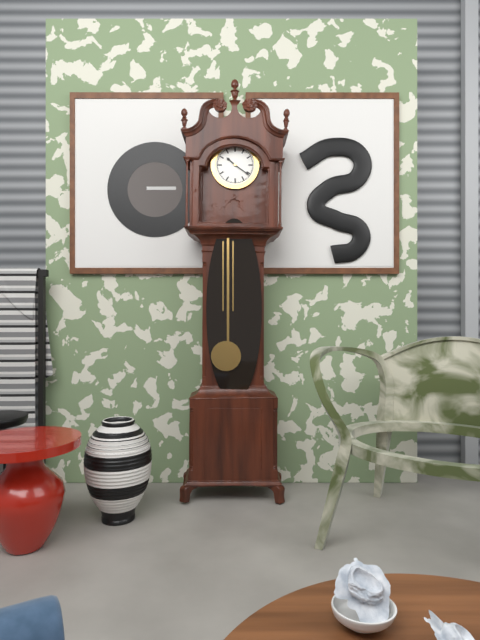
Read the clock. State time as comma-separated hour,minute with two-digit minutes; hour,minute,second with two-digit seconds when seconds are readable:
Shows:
10,21
